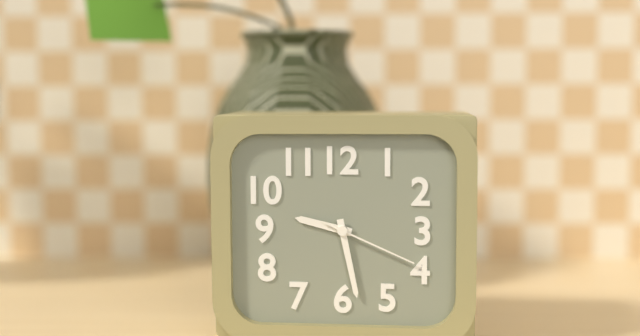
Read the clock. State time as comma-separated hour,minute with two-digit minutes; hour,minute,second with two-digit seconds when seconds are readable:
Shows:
9,28,19
